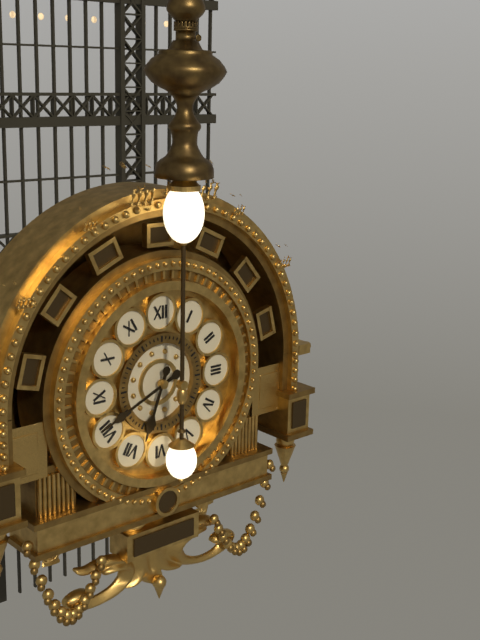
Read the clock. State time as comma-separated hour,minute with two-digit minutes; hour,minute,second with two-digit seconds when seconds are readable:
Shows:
6,41
